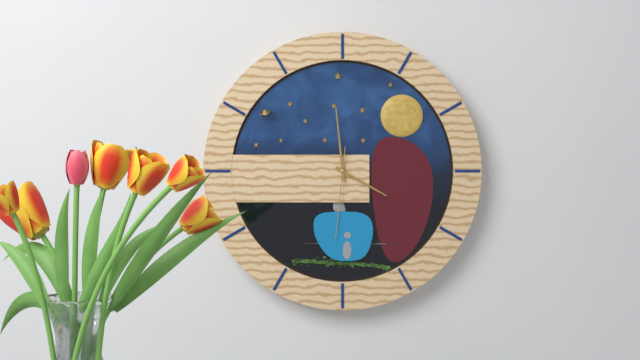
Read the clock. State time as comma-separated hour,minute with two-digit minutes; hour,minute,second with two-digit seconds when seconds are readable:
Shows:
3,59,31
